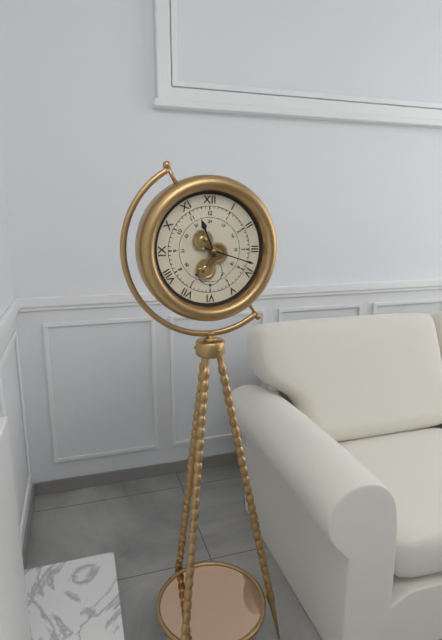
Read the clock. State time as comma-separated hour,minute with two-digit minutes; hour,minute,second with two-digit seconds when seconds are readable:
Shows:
11,18
